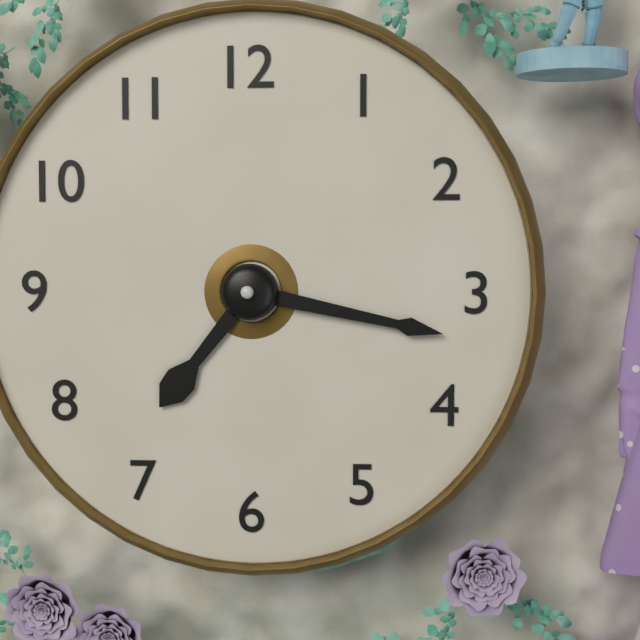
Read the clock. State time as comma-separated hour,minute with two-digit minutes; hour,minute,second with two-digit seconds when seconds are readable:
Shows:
7,17
